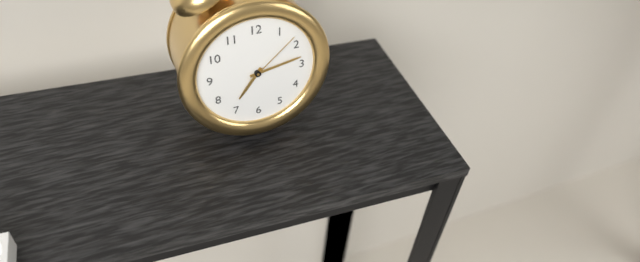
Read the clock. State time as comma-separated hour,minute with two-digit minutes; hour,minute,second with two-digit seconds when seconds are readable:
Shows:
7,13,08
